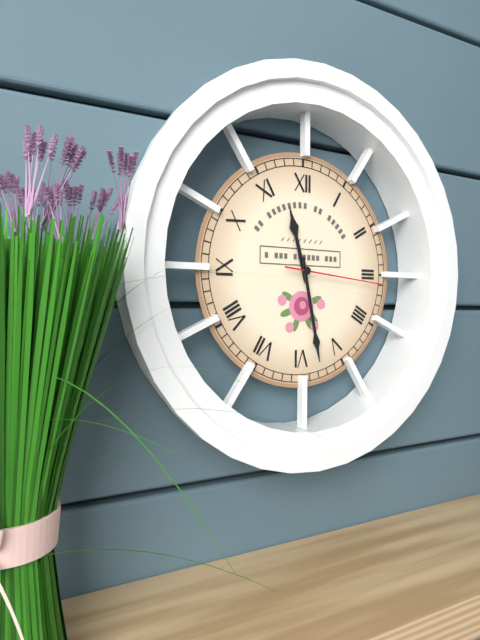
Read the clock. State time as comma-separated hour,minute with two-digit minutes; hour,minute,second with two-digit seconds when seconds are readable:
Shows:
11,28,16
